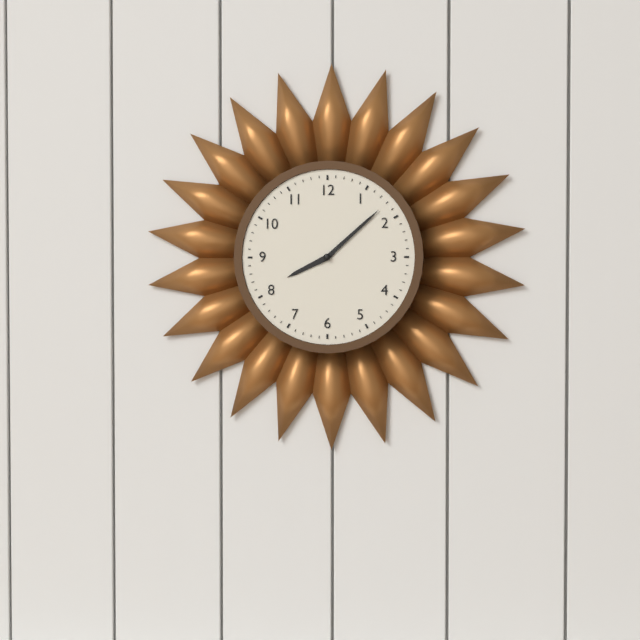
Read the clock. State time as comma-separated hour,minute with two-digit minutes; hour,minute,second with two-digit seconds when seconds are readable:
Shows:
8,08
